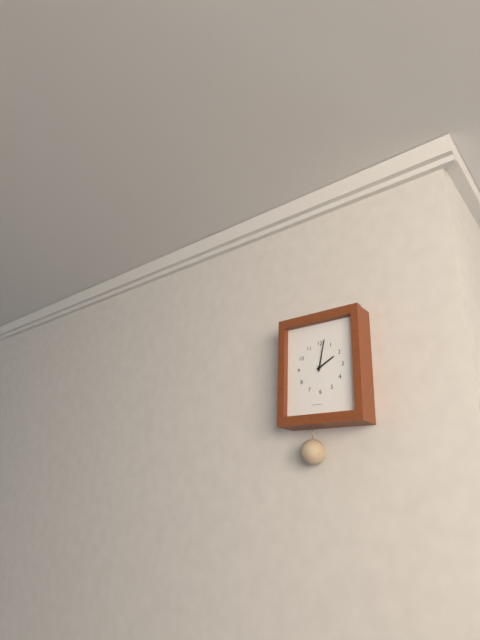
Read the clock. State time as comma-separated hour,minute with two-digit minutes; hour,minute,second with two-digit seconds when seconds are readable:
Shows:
2,02
